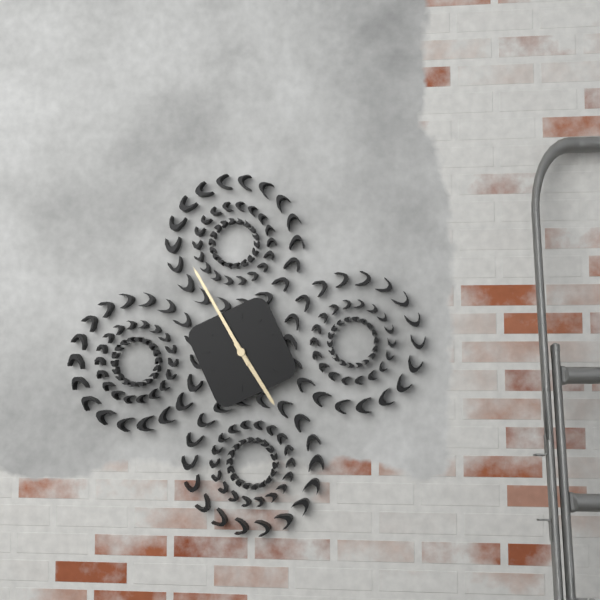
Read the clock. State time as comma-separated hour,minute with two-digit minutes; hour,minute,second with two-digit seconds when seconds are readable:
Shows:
4,55
